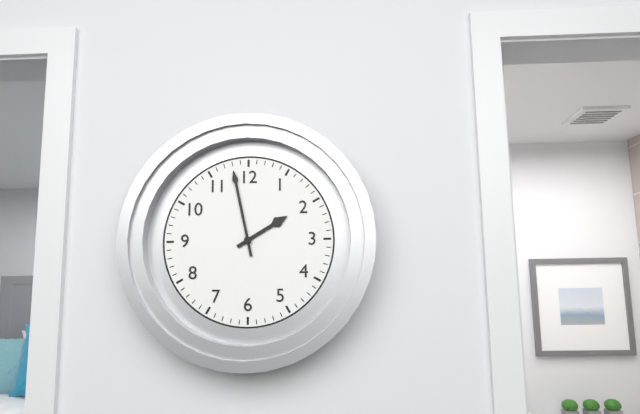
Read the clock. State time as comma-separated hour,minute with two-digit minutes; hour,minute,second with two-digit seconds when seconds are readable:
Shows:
1,58
